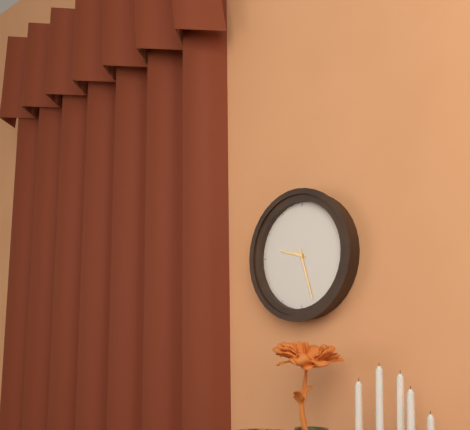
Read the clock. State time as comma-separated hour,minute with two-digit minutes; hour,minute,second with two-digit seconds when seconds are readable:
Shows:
9,27
